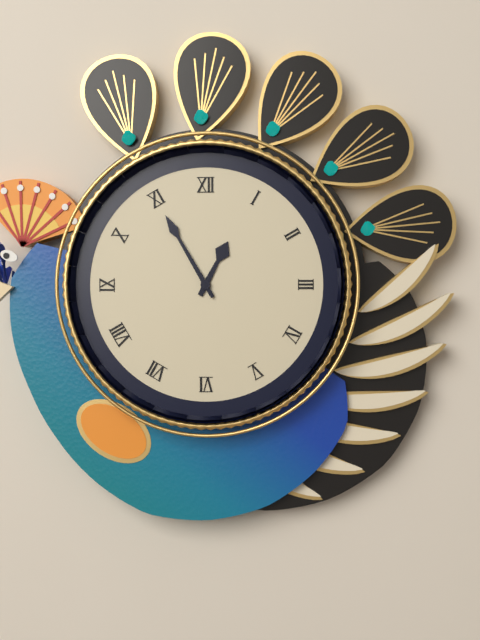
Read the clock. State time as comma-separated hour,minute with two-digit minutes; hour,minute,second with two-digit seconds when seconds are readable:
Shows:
12,55
